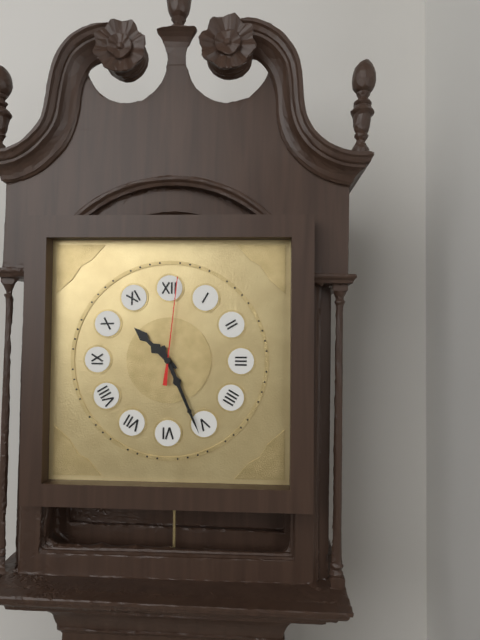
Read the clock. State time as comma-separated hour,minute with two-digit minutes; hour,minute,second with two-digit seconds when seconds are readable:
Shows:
10,26,01
